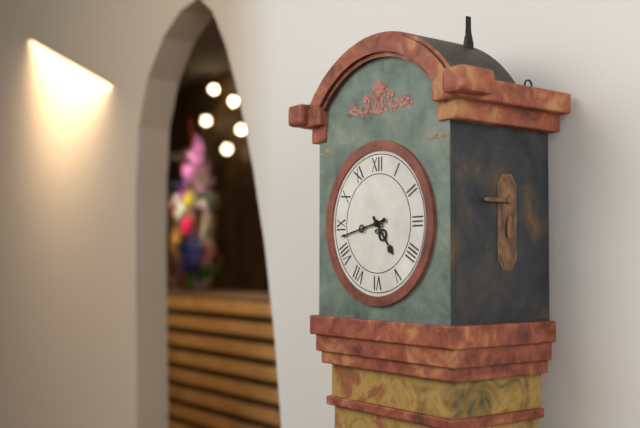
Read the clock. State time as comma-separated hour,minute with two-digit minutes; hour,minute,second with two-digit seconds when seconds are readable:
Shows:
4,43
